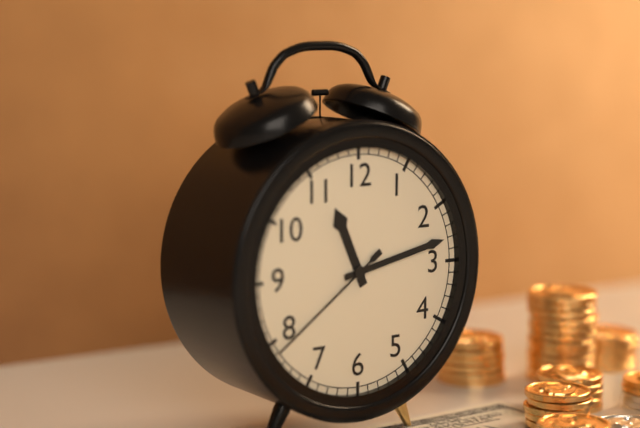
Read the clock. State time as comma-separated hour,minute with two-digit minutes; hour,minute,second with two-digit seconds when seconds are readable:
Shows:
11,13,39
